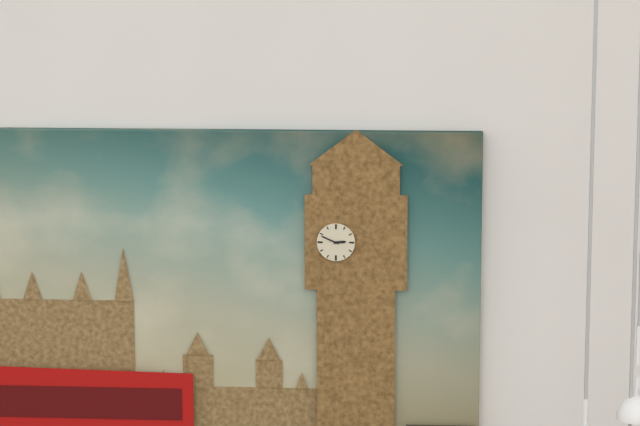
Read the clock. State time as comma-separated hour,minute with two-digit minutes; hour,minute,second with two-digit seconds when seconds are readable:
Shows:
2,49
